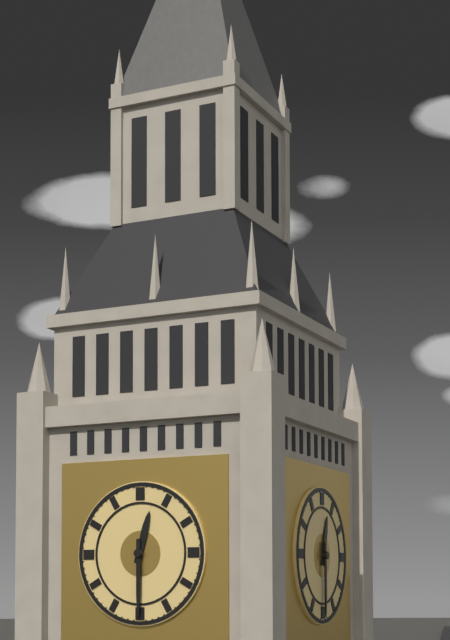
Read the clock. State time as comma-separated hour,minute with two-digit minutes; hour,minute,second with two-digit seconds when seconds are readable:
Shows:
12,30
